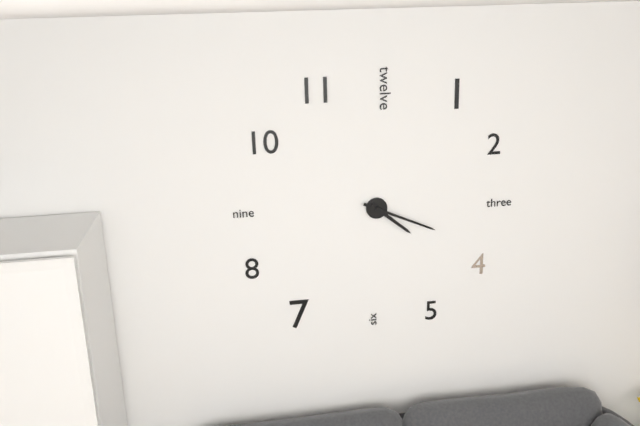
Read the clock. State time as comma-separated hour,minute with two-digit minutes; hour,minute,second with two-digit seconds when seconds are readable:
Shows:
4,19
